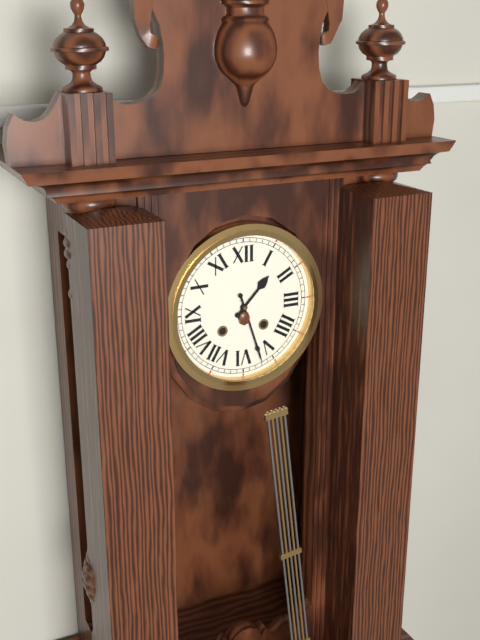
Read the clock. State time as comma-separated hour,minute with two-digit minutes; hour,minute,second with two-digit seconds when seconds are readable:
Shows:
1,27
